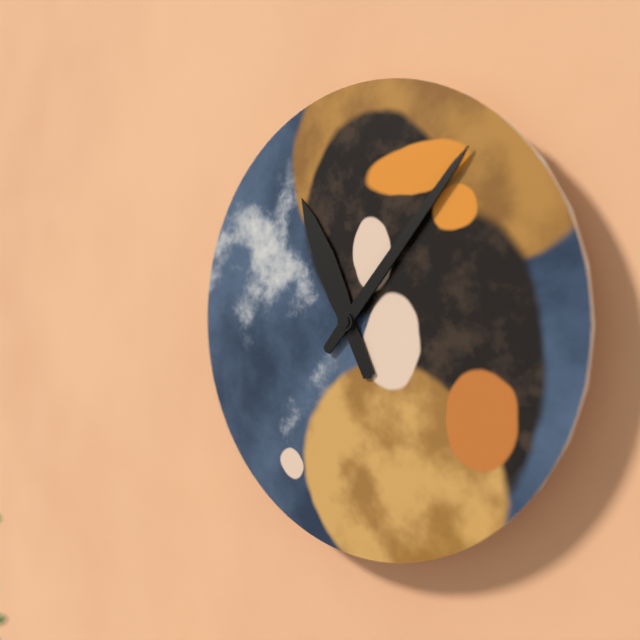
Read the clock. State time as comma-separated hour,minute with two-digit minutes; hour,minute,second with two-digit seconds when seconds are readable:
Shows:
11,07
